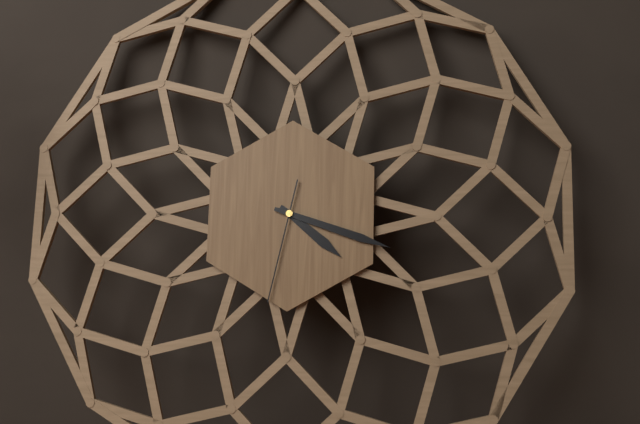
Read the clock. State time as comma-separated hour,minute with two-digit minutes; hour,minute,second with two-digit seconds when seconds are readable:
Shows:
4,18,32
